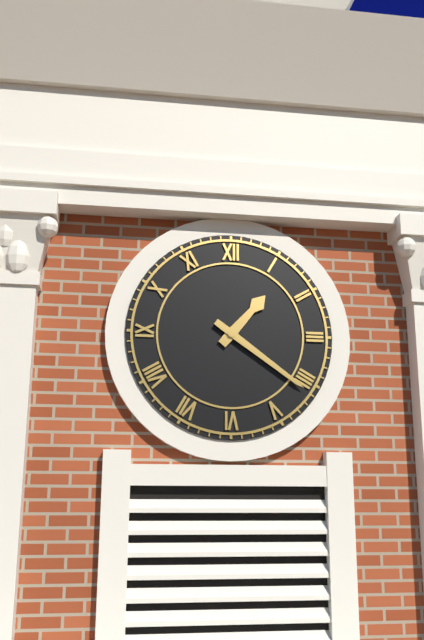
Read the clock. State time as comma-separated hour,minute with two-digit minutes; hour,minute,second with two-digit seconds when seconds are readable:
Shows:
1,21
